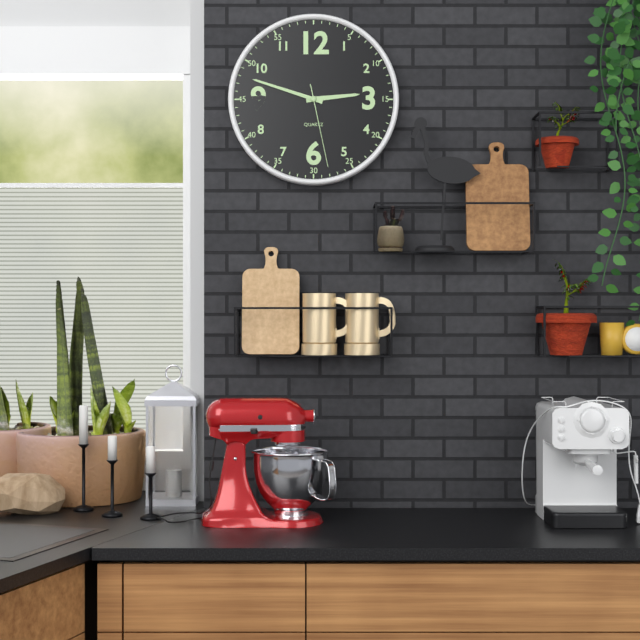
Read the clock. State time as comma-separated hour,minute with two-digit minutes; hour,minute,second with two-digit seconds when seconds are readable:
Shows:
2,48,28
